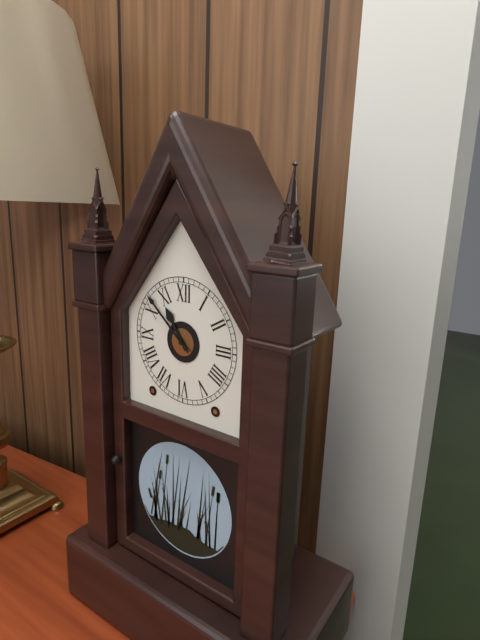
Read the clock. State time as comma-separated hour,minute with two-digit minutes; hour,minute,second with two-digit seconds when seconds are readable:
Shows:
10,52
